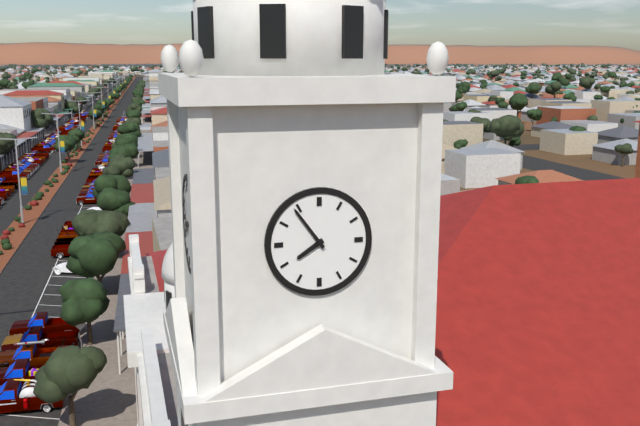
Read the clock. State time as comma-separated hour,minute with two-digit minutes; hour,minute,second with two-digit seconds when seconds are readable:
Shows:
7,54
